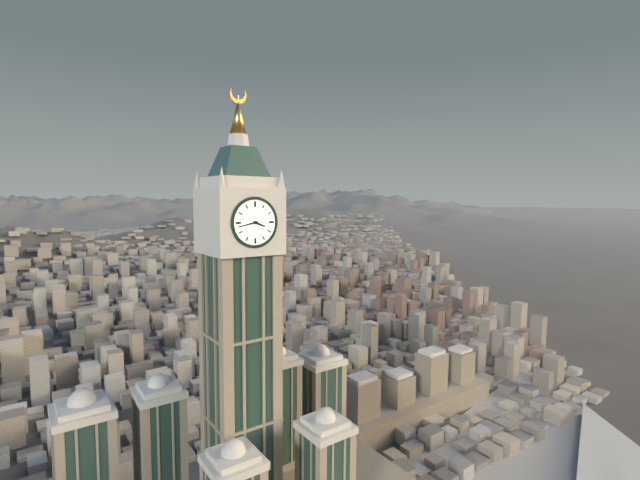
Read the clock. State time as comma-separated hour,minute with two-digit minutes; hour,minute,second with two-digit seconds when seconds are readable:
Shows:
3,43
